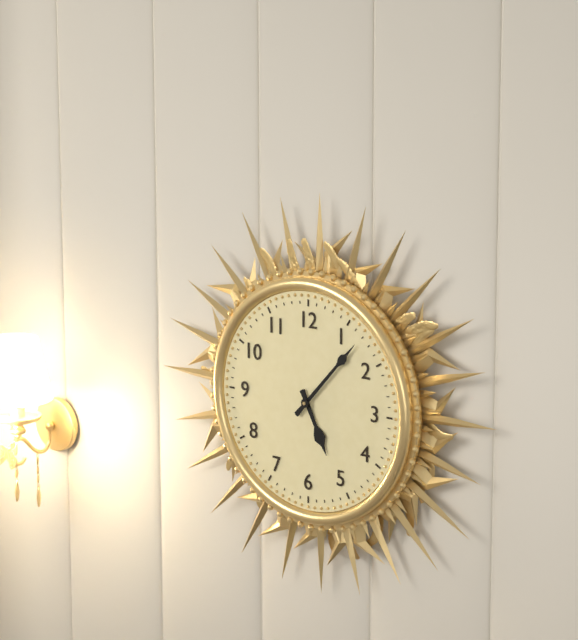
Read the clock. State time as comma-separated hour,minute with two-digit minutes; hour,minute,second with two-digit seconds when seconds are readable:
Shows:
5,07
